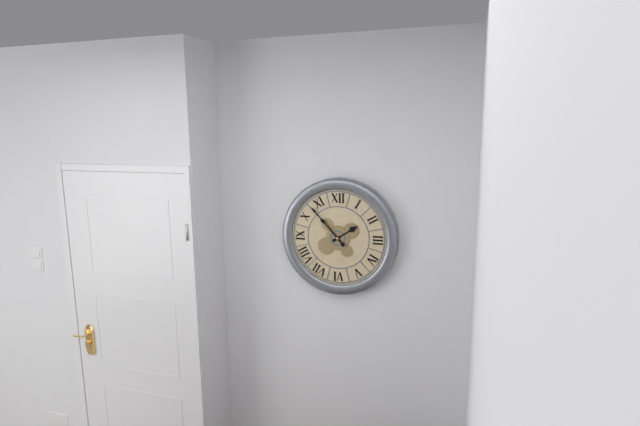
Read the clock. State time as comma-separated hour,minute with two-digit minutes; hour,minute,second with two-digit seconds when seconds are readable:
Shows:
1,53
